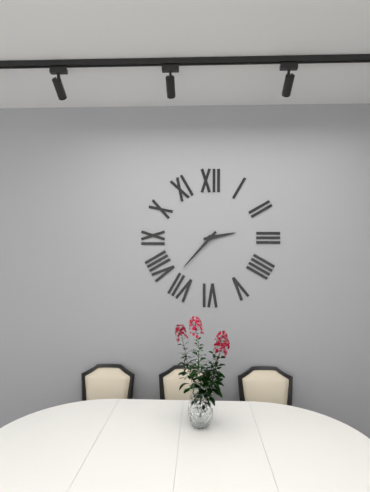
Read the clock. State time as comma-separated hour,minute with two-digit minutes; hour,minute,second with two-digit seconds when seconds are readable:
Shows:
2,37
